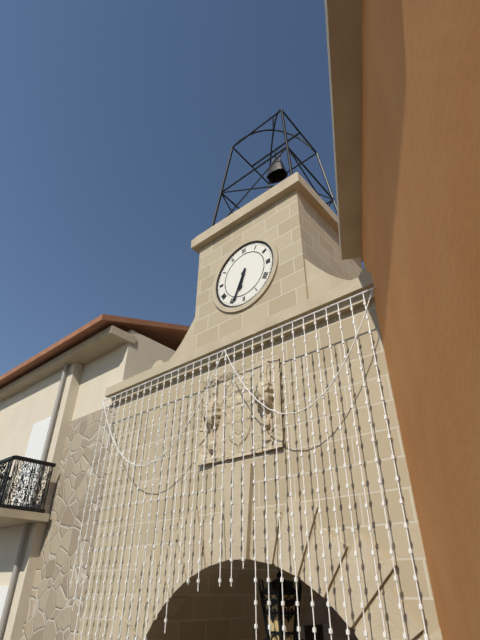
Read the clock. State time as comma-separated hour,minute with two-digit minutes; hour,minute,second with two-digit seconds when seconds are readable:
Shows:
6,34
